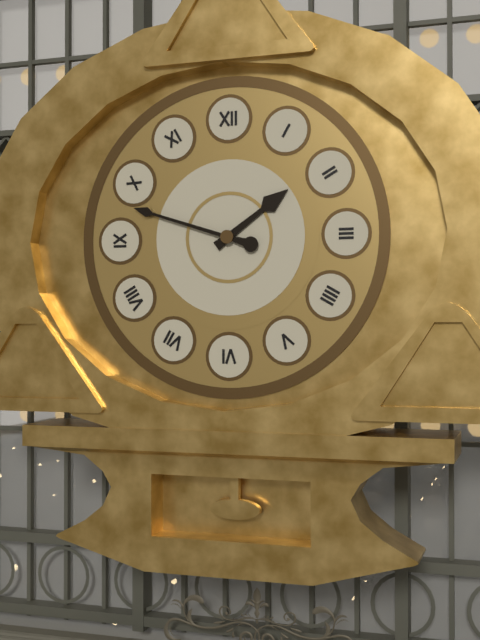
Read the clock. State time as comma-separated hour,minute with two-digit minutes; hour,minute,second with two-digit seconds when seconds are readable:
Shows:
1,48
